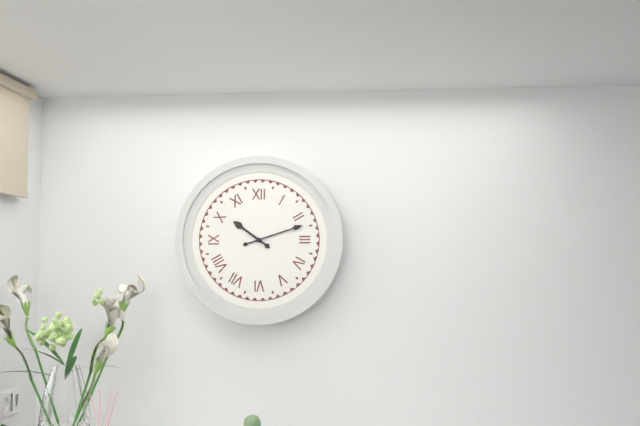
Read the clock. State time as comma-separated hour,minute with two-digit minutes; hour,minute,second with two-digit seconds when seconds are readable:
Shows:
10,12
